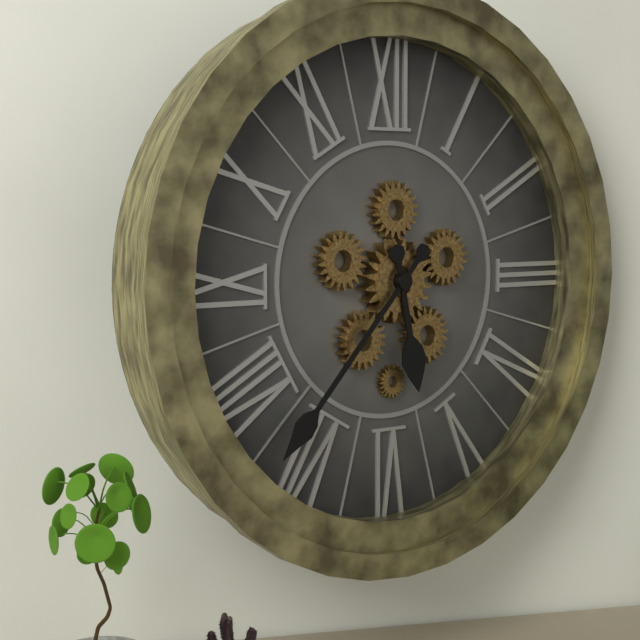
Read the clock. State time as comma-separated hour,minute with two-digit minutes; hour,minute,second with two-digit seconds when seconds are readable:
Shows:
5,37
